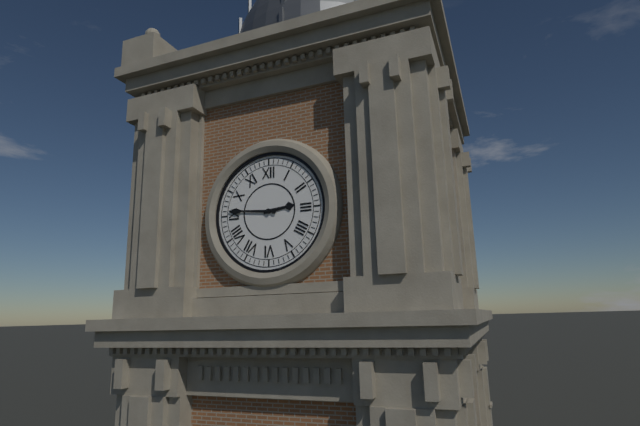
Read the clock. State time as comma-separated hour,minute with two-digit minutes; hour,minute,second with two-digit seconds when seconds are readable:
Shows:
2,46
